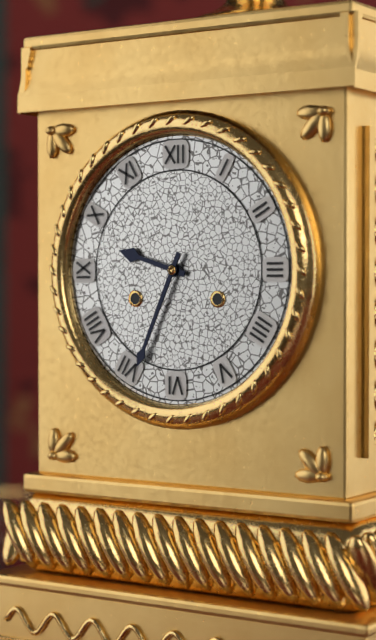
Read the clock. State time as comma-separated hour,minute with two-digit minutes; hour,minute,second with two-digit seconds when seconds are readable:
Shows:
9,34
